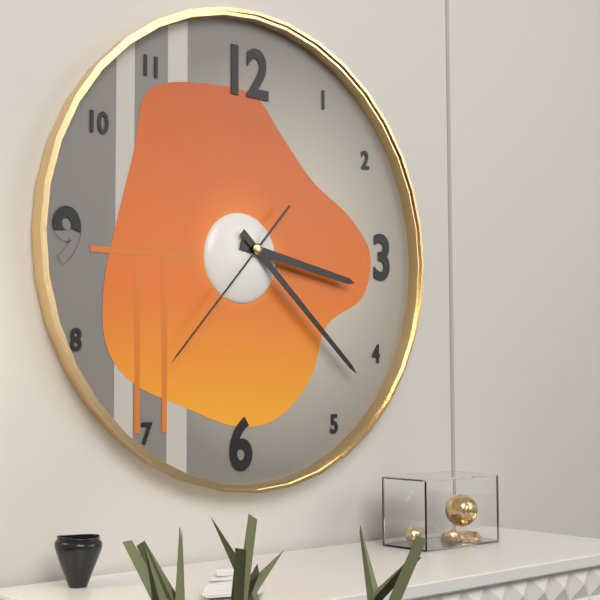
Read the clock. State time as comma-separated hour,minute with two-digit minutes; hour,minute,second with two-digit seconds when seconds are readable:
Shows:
3,22,37
